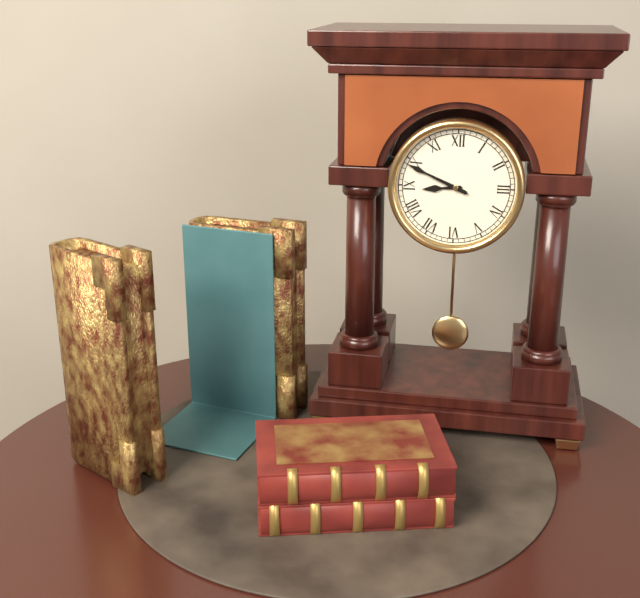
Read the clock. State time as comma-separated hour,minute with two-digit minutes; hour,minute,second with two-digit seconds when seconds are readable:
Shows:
8,49
